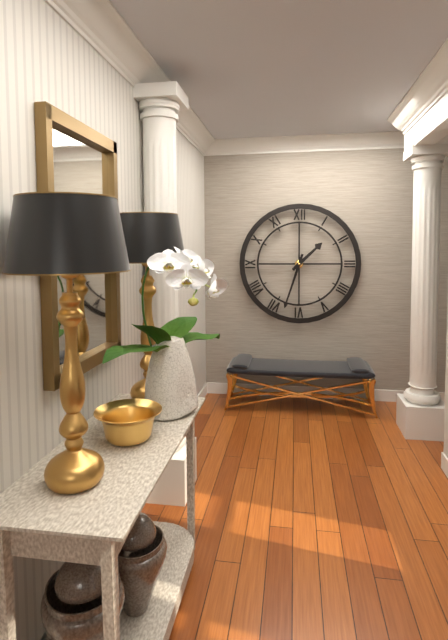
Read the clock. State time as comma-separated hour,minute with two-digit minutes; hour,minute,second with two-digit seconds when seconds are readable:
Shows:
1,33
